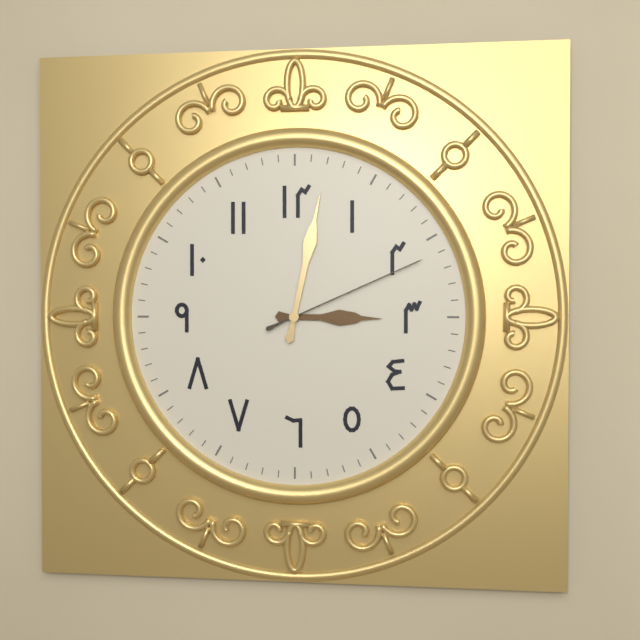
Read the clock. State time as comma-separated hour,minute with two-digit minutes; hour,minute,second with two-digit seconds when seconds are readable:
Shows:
3,02,11
